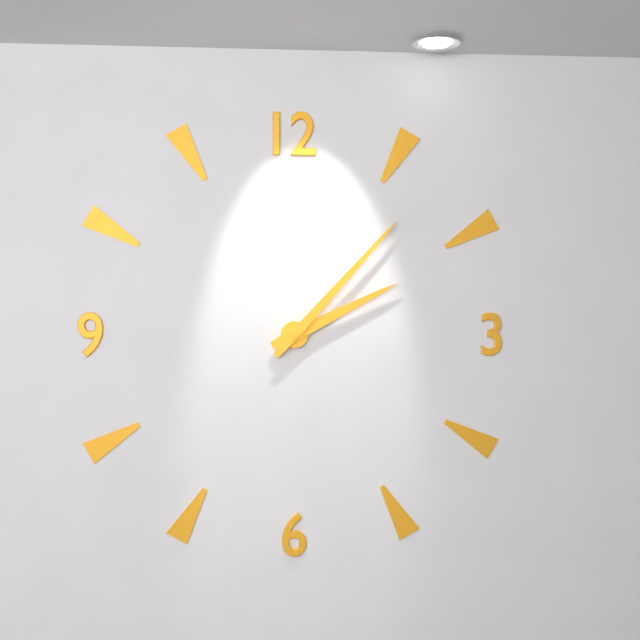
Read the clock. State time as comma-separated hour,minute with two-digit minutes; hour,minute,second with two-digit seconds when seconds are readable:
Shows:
2,07
